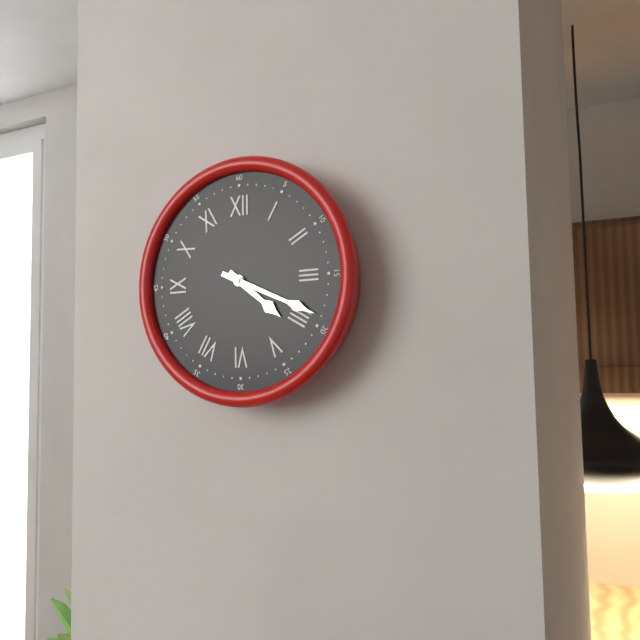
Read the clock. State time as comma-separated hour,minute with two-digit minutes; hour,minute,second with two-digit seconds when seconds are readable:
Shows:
4,19
